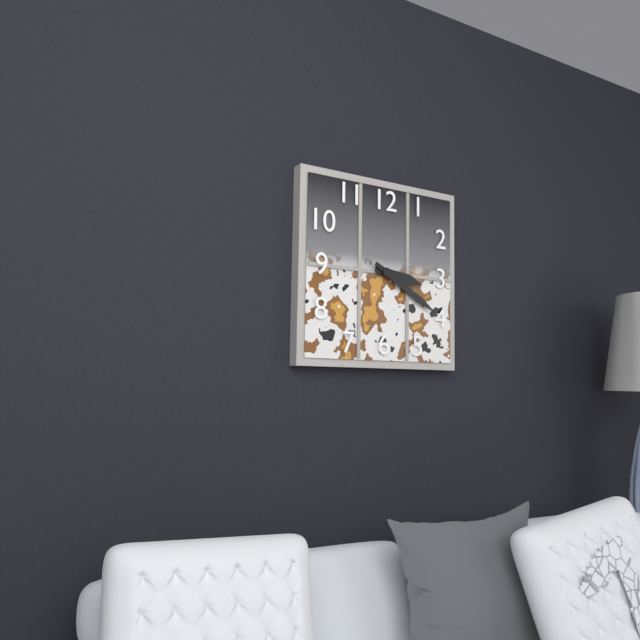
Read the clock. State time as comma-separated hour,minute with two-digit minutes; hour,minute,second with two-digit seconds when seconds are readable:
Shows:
3,20
